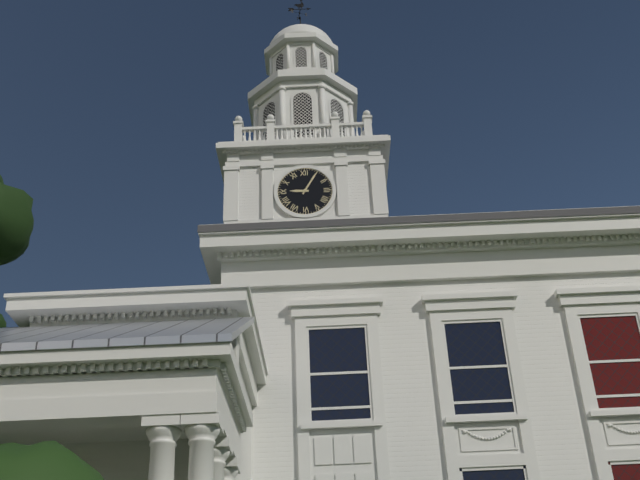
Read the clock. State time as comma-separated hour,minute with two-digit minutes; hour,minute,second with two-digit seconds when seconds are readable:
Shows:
9,05
